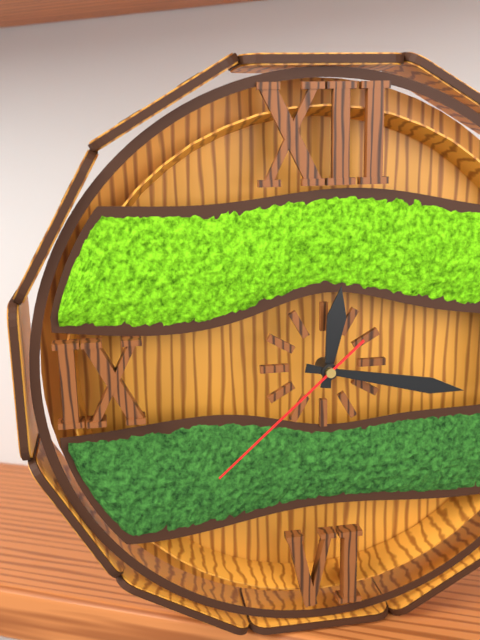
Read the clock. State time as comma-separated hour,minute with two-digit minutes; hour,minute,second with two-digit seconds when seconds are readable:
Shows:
12,17,38
